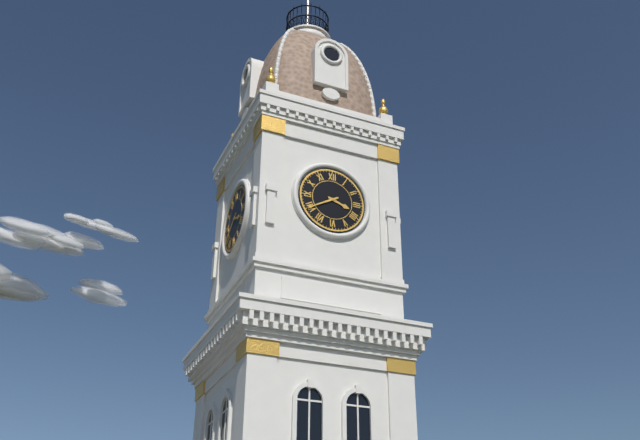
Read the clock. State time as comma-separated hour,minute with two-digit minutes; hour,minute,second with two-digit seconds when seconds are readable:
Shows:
3,40
